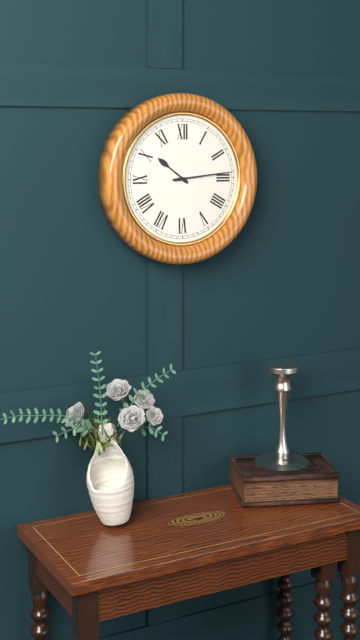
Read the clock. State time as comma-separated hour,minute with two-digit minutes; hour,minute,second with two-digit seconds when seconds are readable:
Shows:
10,14
